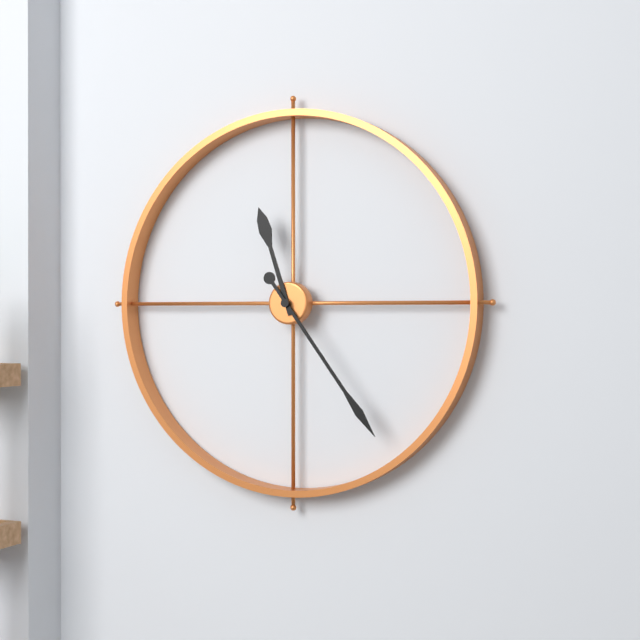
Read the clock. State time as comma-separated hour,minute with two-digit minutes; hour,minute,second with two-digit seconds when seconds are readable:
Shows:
11,24
